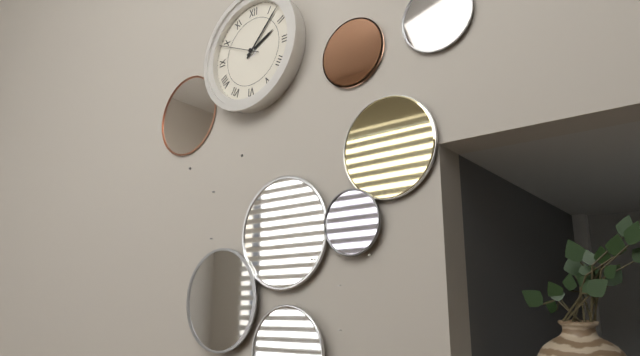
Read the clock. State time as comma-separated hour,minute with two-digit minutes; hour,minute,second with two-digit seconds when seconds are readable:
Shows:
2,07
